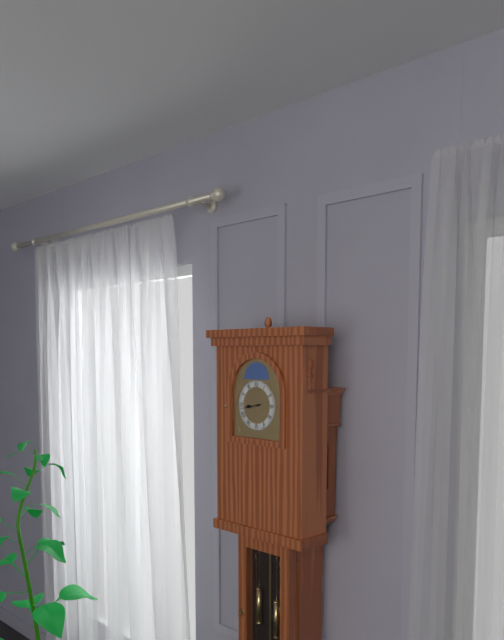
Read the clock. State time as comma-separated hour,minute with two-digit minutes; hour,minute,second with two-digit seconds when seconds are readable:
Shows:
8,43
